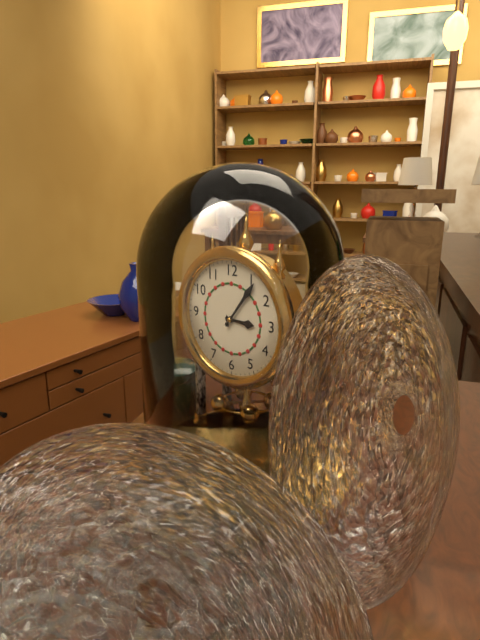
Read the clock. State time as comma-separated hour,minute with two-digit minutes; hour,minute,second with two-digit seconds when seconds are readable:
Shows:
3,06
